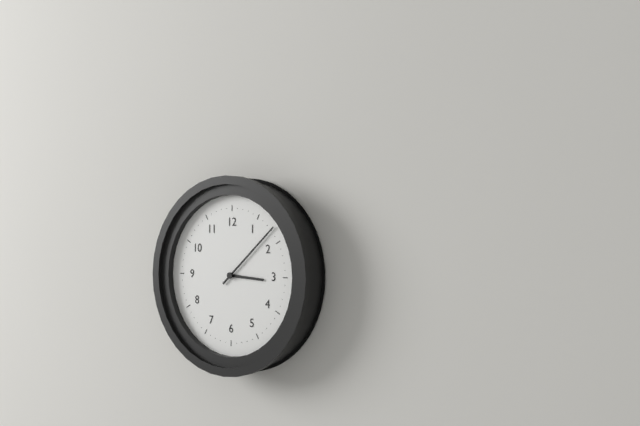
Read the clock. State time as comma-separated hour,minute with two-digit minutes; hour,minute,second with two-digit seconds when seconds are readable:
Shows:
3,08
